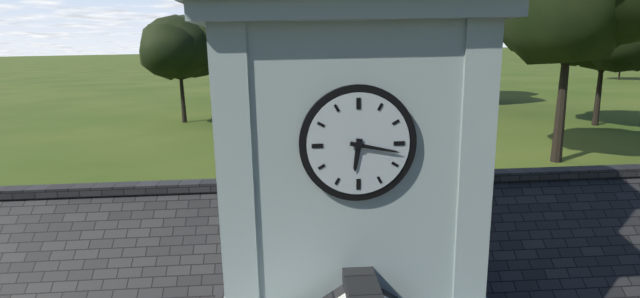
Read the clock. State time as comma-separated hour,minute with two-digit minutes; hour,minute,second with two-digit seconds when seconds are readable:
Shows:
6,17
